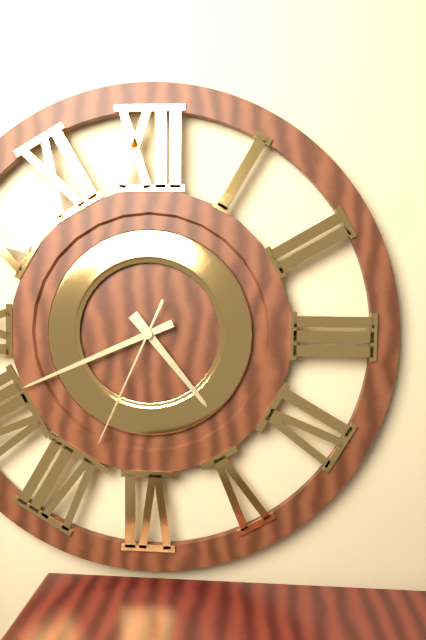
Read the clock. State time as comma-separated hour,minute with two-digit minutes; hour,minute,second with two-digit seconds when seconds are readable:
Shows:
4,41,34
